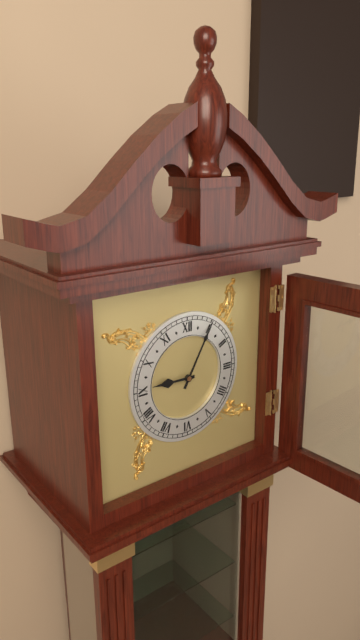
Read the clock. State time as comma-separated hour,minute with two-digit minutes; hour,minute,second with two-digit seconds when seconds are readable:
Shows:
9,05
